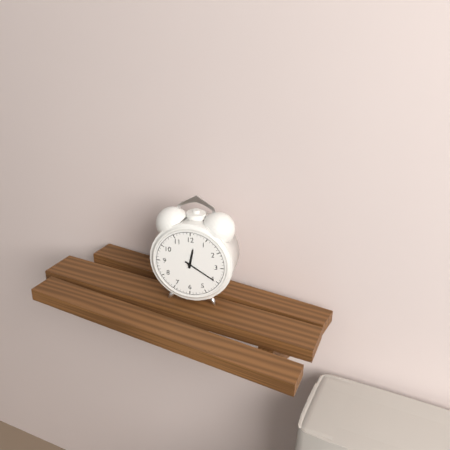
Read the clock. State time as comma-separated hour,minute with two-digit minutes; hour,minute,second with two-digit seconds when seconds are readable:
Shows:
12,20
